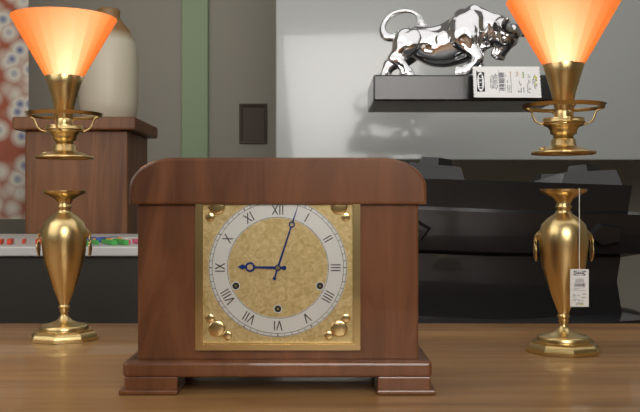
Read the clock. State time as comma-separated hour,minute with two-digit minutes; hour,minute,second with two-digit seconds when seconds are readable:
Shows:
9,03
